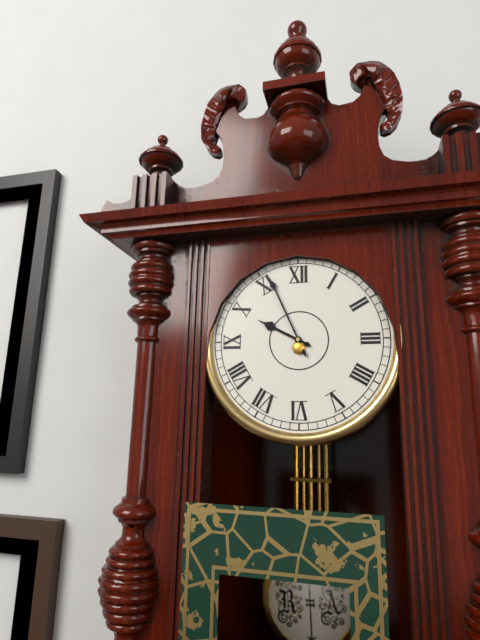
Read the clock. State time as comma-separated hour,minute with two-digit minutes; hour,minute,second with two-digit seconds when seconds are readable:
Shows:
9,56
